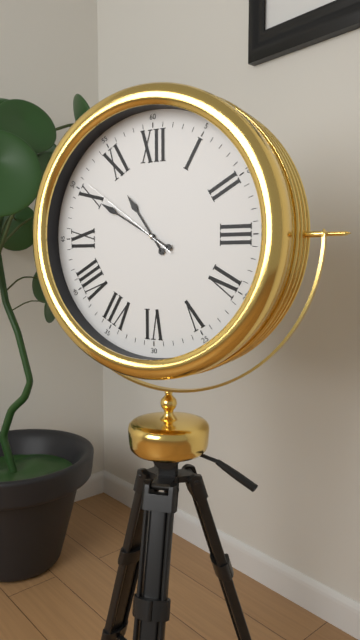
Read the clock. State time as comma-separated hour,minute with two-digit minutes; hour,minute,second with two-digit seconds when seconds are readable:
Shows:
10,50,51
